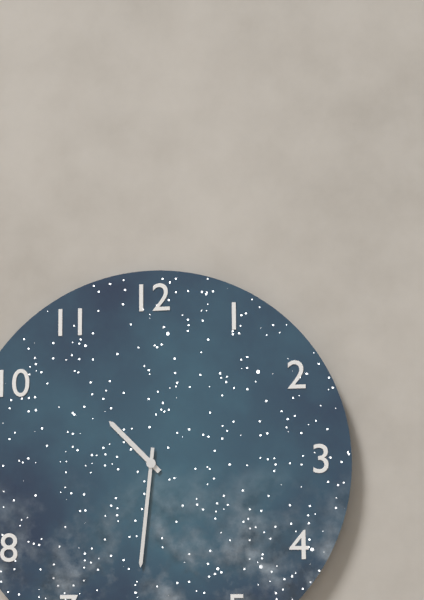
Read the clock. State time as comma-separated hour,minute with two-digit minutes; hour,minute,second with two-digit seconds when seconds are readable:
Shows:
10,31
